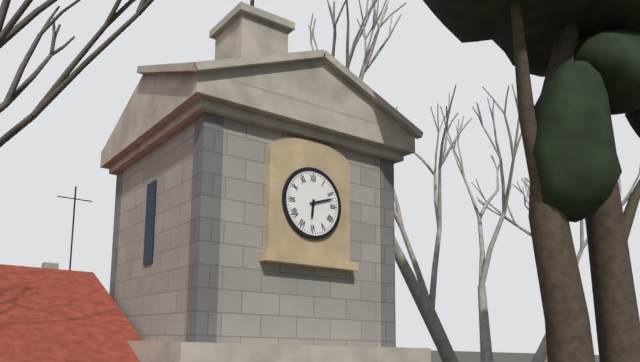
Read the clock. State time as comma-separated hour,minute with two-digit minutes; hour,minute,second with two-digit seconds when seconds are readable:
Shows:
6,12
